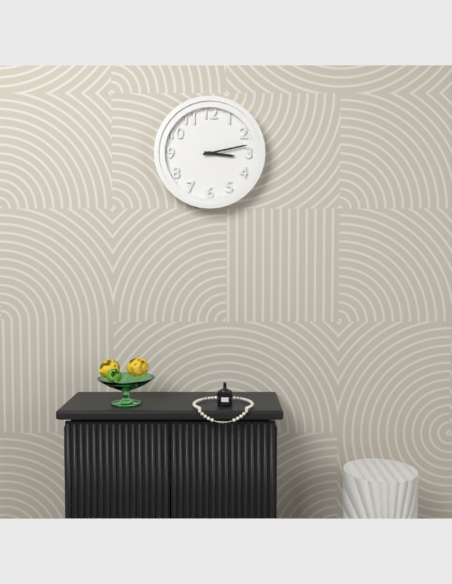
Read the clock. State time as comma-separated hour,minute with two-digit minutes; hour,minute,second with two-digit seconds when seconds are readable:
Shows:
3,13
